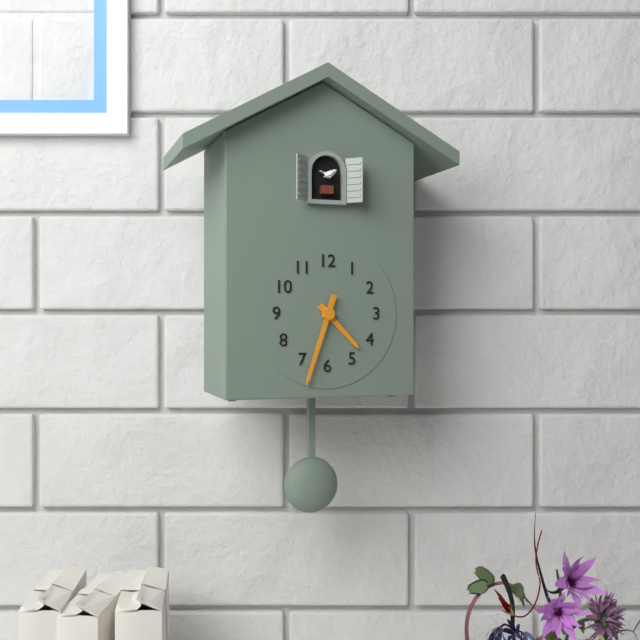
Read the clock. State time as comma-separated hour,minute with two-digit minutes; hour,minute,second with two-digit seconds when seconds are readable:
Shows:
4,33
